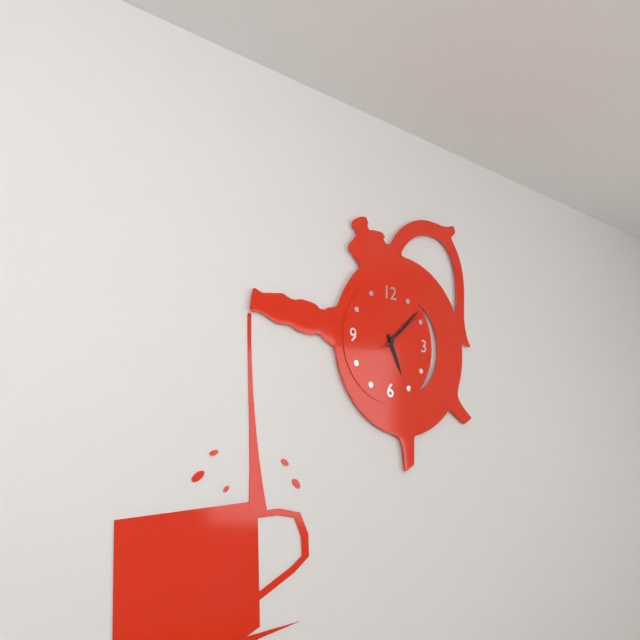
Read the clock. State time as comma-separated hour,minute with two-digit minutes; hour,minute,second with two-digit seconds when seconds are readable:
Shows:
5,08,09
